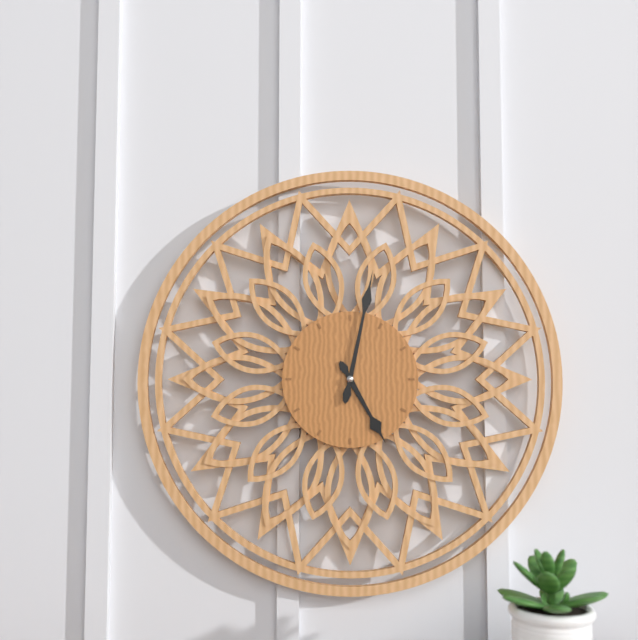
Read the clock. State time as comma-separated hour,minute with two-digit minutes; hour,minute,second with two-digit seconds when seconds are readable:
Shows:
5,02
